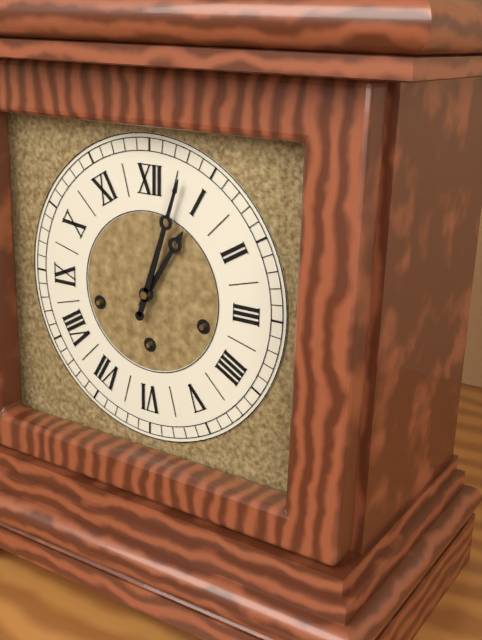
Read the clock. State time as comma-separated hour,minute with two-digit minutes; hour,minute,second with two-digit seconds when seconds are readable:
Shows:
1,03
